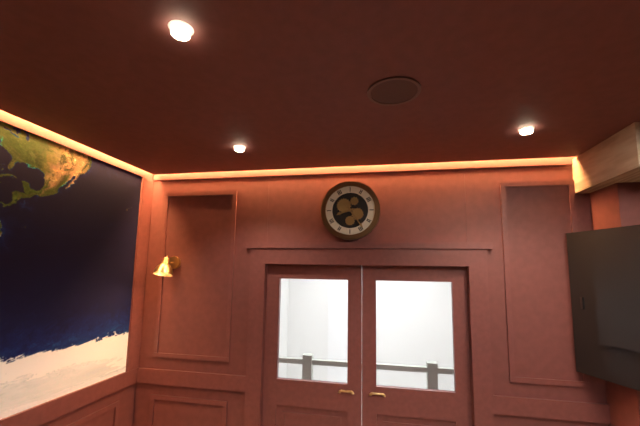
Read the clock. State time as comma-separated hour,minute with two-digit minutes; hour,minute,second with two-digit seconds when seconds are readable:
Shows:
8,24
